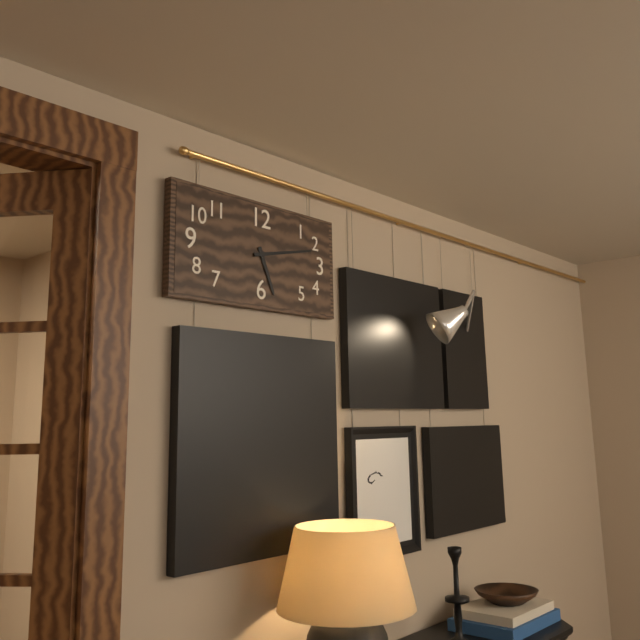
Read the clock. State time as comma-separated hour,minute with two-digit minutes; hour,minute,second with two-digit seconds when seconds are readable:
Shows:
5,13
